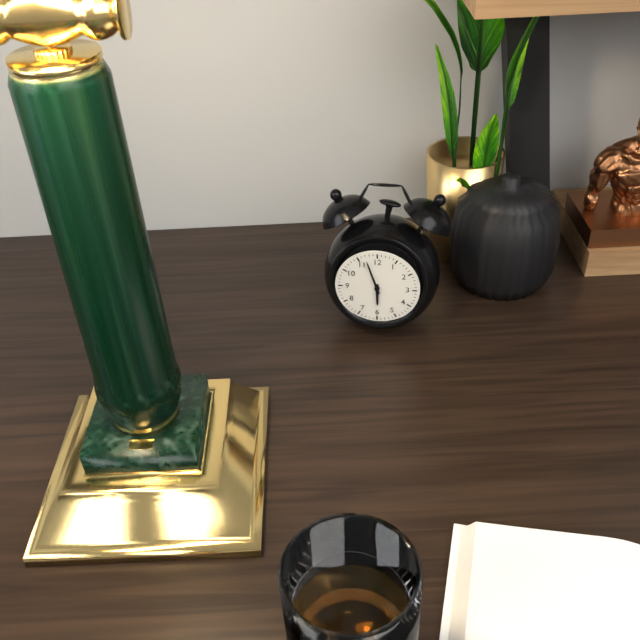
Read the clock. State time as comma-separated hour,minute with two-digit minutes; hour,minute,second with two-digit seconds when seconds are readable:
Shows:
5,57
